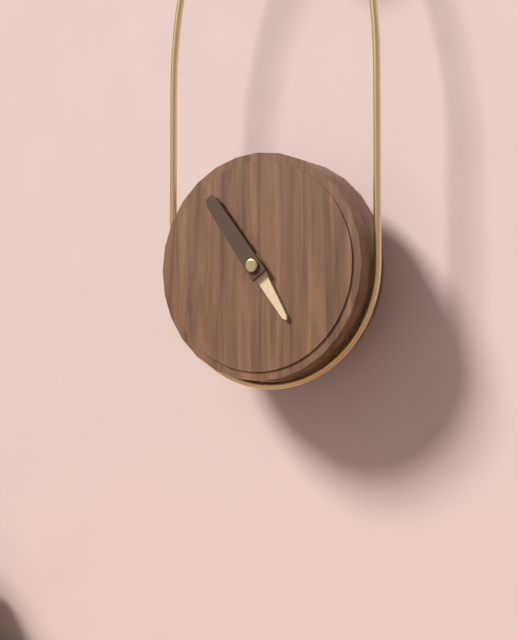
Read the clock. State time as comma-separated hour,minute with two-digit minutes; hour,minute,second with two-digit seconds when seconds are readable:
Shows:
4,54
